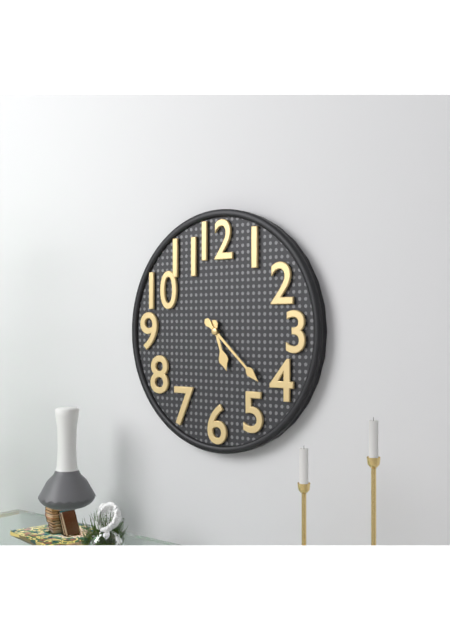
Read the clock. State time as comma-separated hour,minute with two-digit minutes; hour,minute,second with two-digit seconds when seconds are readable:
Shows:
5,22
